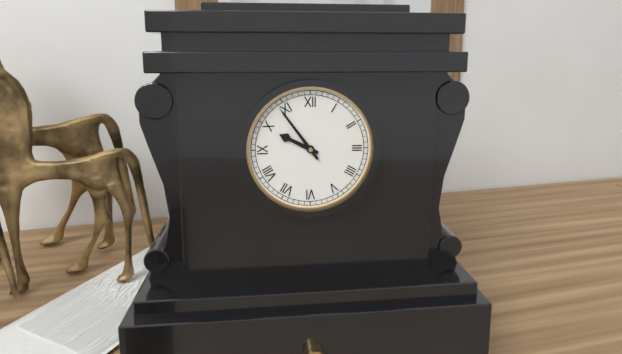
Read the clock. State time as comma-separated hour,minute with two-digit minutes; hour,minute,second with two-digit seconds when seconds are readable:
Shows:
9,54
